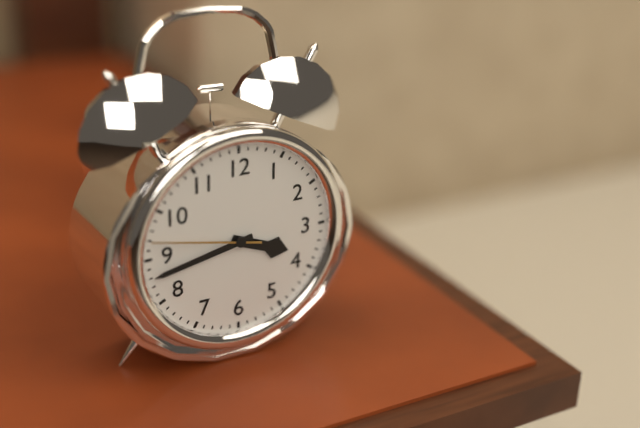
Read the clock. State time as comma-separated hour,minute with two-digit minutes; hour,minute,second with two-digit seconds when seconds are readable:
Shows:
3,43,47
